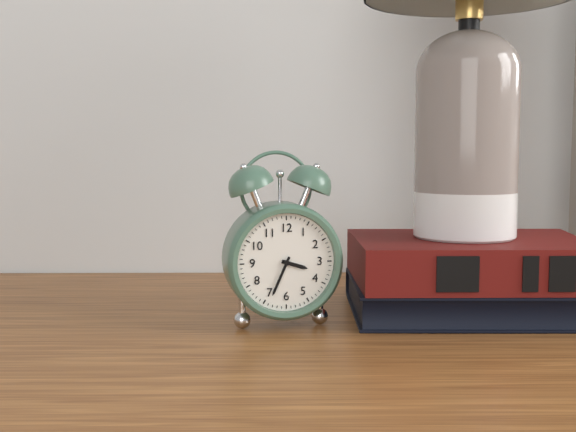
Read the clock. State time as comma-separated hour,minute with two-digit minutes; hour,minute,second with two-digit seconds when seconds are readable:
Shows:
3,34
